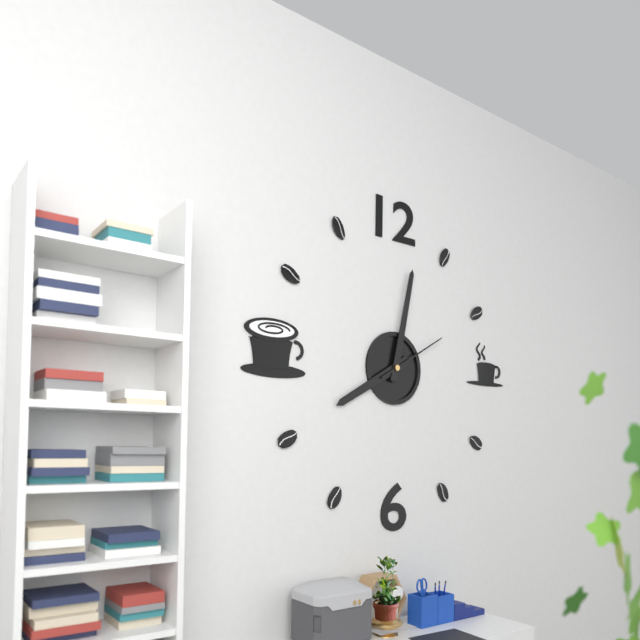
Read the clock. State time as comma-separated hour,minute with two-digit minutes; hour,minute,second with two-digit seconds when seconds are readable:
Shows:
8,02,10
